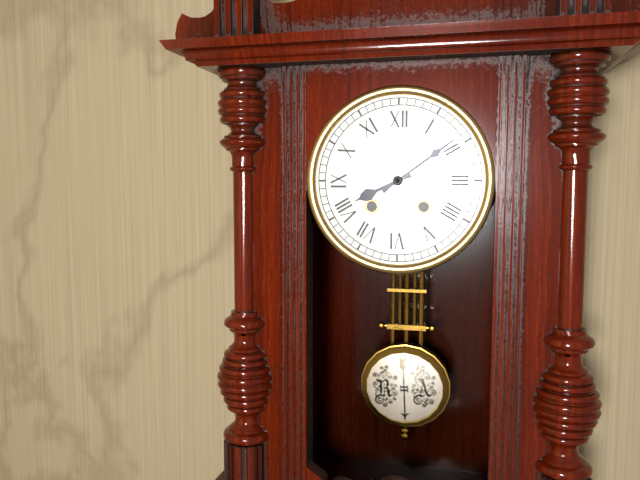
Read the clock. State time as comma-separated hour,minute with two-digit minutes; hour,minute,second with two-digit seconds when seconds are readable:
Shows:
8,09
